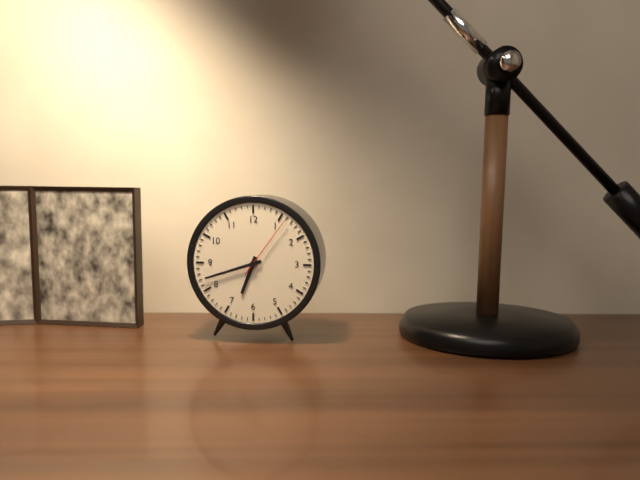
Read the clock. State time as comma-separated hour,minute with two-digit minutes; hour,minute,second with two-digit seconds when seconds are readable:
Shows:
6,42,06
